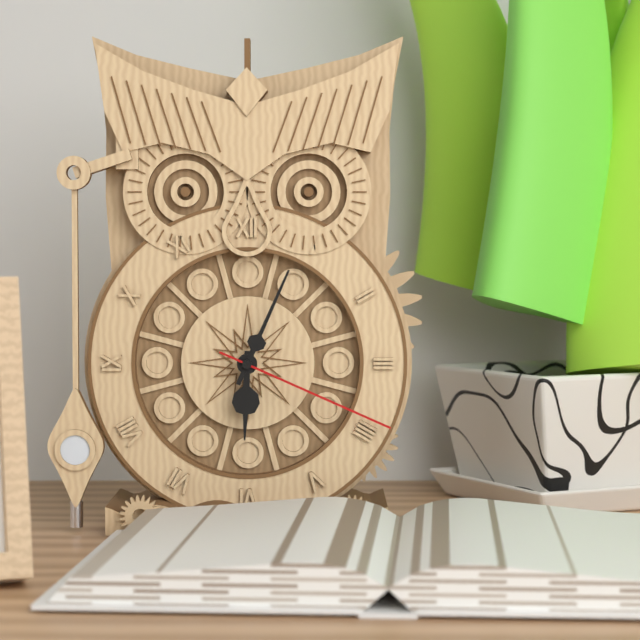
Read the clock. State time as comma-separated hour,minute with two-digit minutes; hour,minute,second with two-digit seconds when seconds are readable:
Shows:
6,04,19
